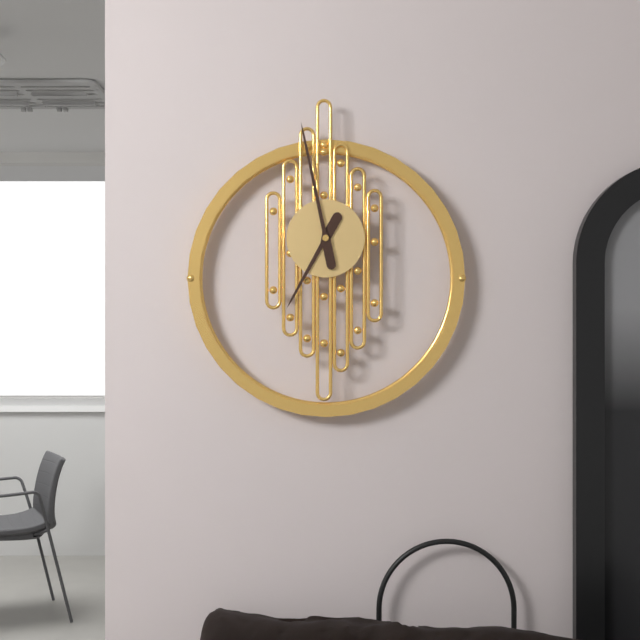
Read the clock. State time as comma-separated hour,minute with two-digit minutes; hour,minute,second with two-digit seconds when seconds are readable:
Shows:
6,58
